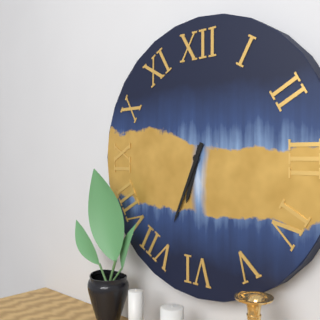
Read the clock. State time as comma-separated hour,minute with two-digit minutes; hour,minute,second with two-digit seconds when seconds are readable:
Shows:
6,34
